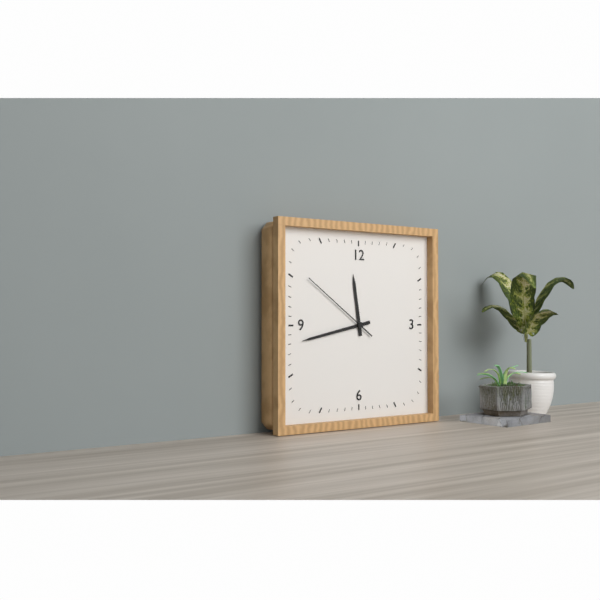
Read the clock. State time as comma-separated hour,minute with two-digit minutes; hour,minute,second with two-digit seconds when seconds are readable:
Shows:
11,43,51
